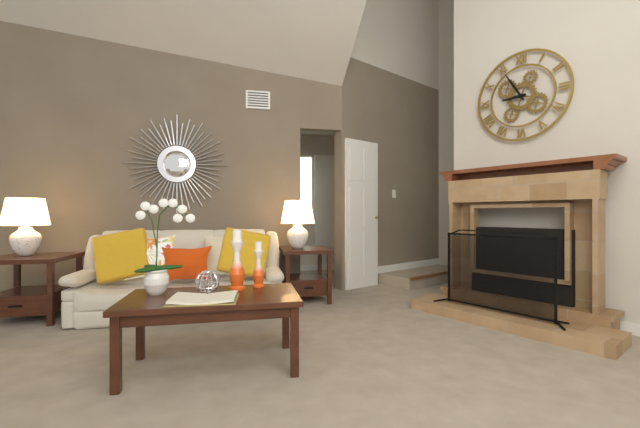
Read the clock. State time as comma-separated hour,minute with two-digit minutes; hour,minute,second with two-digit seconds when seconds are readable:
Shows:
8,55
